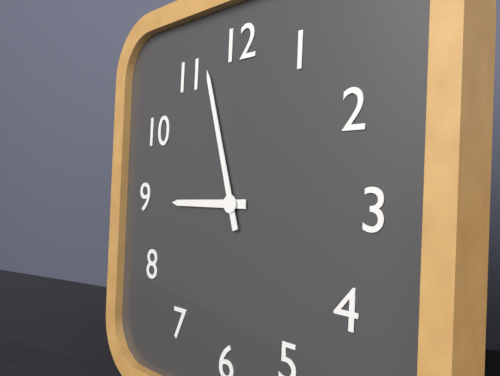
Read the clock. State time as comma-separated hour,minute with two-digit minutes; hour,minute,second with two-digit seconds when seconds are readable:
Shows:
8,57
